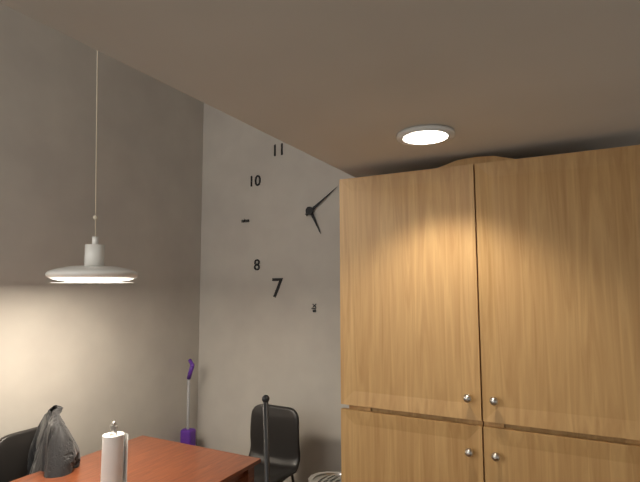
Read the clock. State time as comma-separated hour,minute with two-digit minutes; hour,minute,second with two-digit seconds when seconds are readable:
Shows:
5,09
